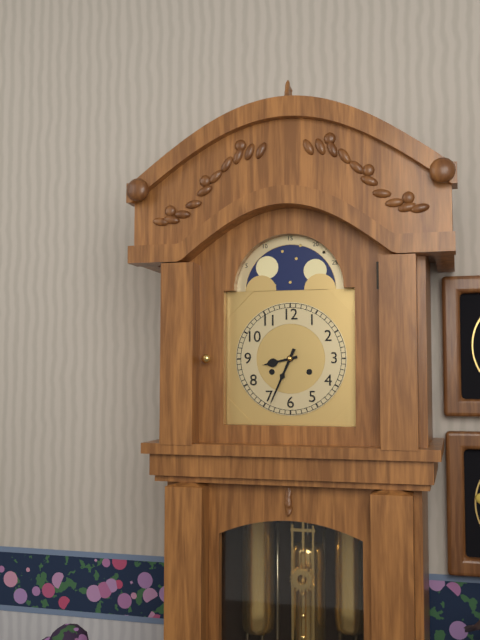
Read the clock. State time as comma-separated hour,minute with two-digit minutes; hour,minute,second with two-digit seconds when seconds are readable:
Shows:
8,34
